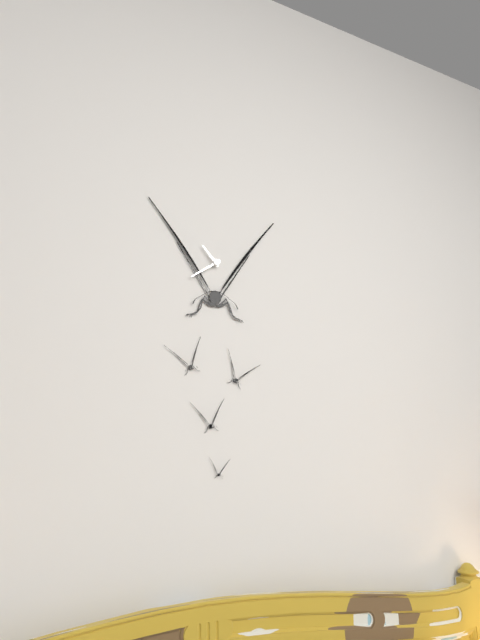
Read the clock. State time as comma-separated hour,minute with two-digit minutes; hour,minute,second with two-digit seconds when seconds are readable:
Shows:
10,39
